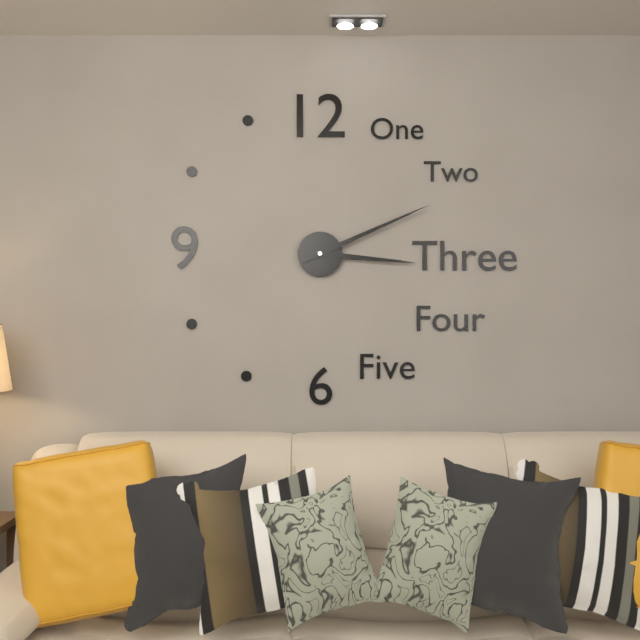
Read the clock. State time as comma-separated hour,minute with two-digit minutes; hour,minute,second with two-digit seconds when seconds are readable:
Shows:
3,11
